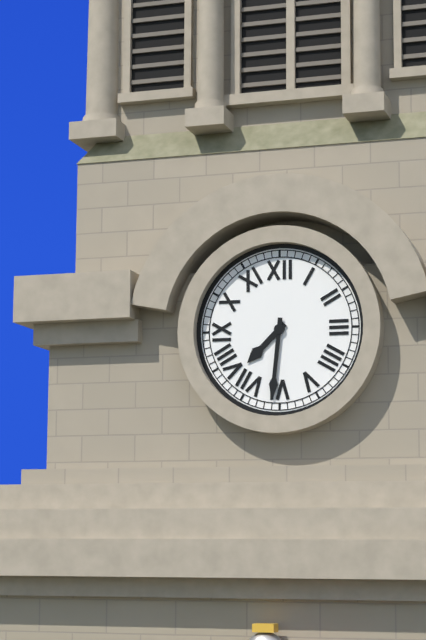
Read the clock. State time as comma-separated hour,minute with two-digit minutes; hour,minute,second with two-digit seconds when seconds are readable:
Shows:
7,31
